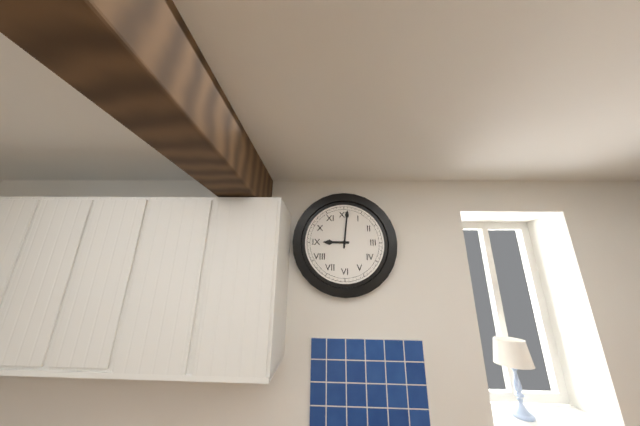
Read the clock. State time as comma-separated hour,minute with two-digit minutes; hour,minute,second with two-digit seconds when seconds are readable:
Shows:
9,01
